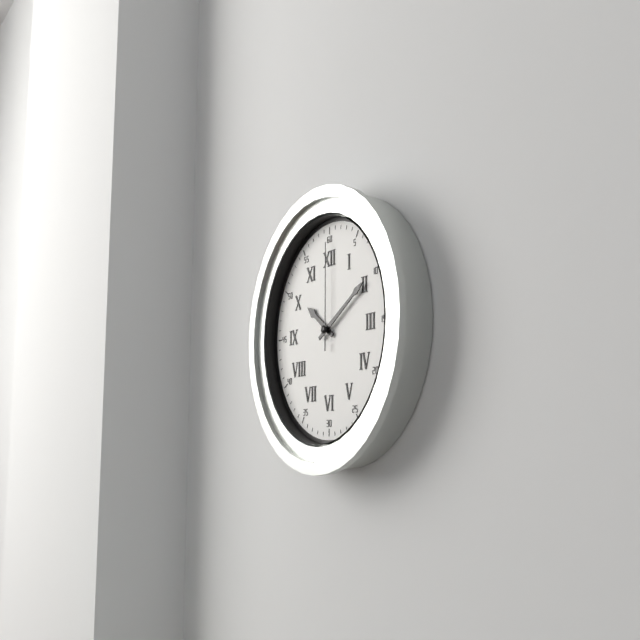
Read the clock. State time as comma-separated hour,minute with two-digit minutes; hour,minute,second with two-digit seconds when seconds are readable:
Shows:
10,10,00
